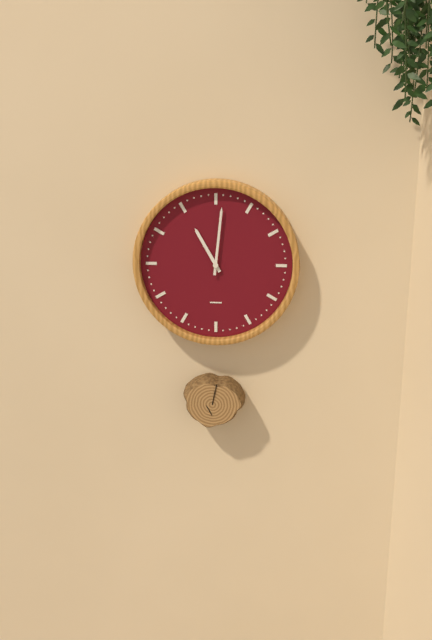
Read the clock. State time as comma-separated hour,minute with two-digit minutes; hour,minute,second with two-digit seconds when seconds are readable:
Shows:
11,01
